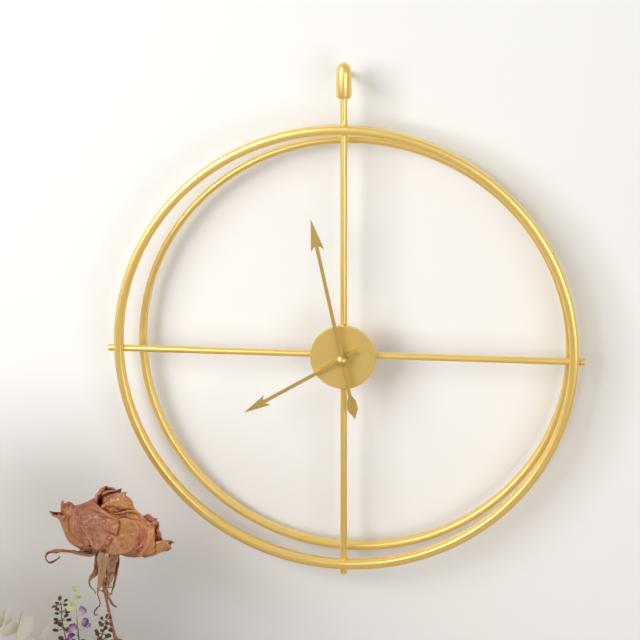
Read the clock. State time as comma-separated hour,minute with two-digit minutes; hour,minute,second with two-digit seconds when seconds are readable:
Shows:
7,58
